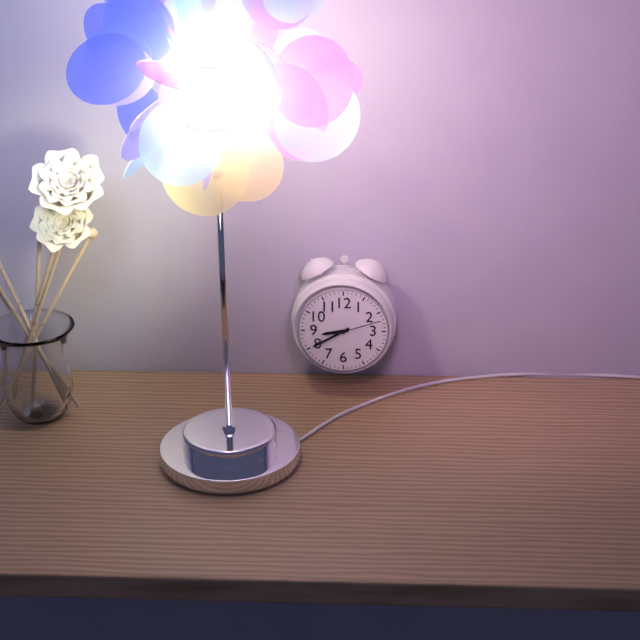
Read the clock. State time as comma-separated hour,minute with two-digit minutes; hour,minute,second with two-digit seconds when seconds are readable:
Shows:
8,40
